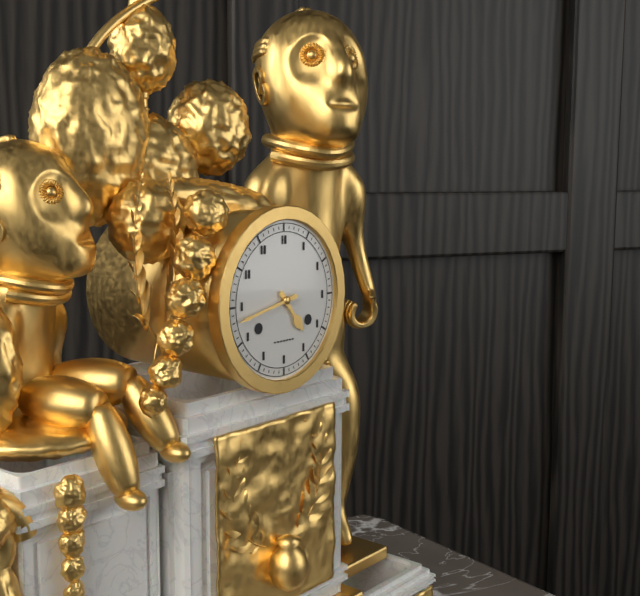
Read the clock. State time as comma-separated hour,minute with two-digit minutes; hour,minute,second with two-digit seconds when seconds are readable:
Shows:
4,43
